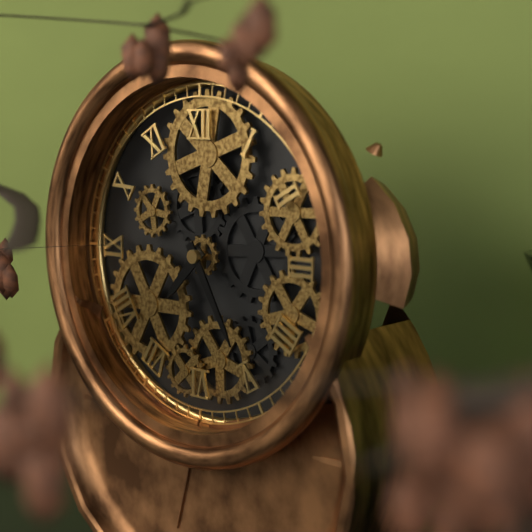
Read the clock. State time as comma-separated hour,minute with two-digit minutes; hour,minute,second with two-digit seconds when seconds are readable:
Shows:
7,25
